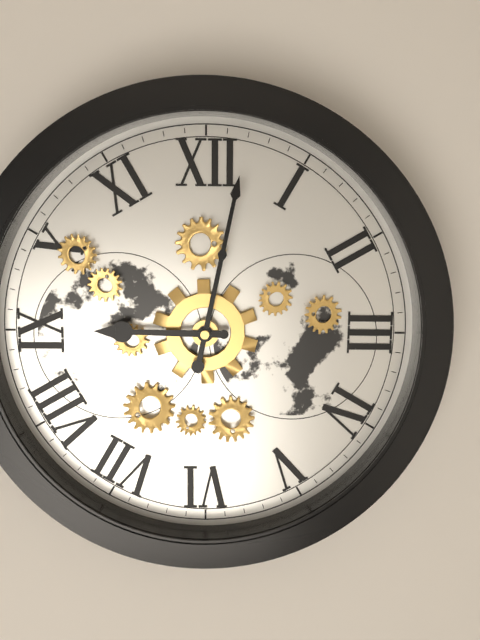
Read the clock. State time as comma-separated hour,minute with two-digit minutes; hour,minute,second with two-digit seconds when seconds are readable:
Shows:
9,02
